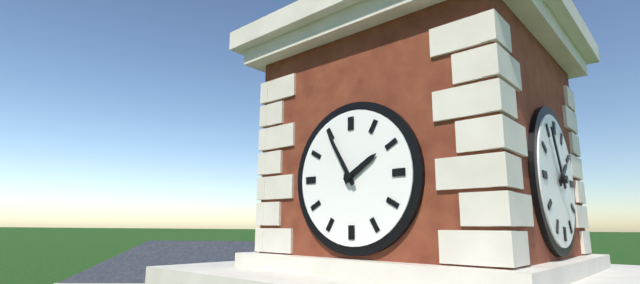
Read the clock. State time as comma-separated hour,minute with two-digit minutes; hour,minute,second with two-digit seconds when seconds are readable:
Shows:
1,55
